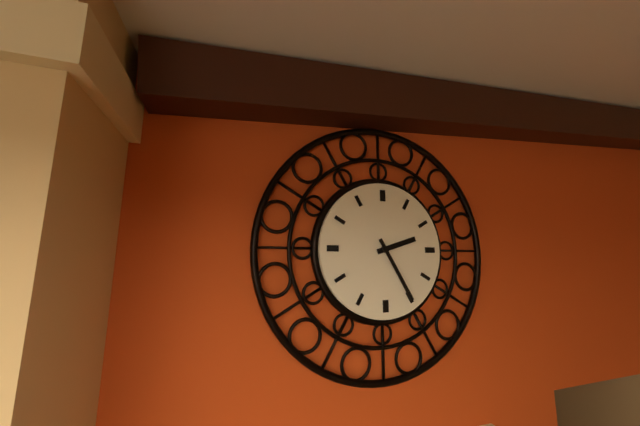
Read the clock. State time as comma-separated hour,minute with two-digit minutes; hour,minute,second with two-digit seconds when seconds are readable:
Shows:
2,25
